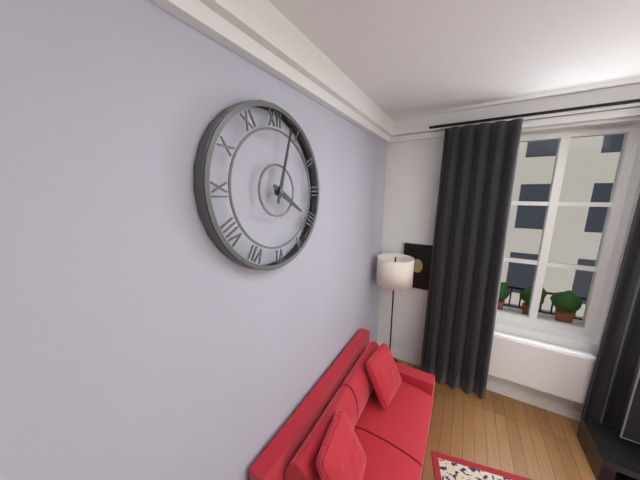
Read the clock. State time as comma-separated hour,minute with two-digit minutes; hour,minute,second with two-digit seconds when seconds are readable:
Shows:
4,03
